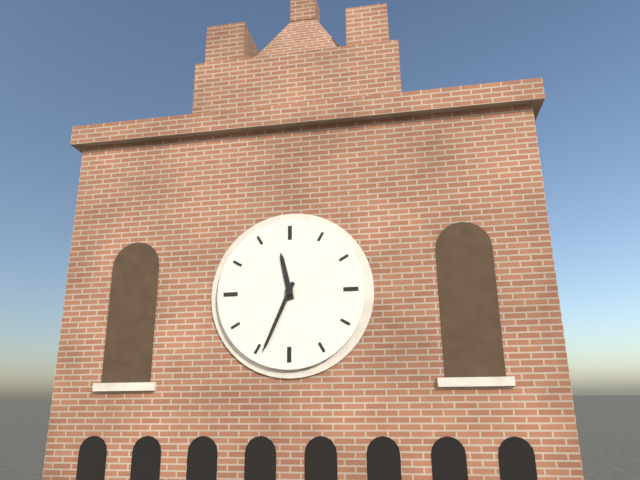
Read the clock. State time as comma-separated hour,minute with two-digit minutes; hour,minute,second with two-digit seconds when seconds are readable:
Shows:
11,34
